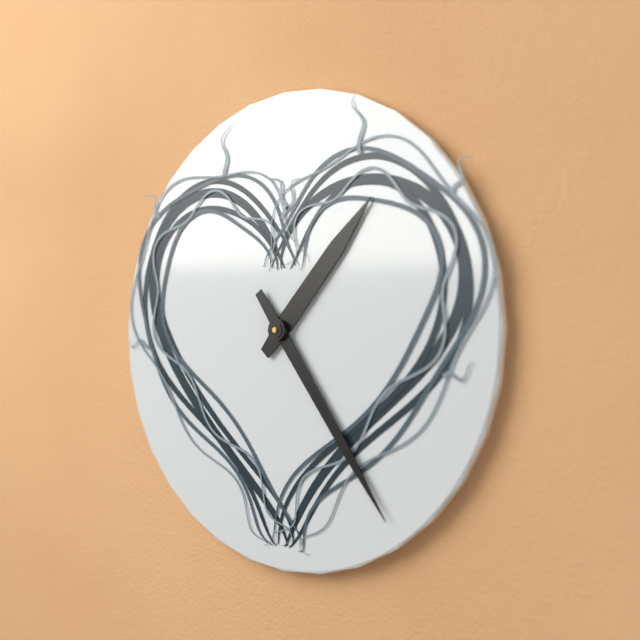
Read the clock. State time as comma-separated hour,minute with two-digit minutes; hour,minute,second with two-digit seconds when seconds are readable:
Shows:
1,24
